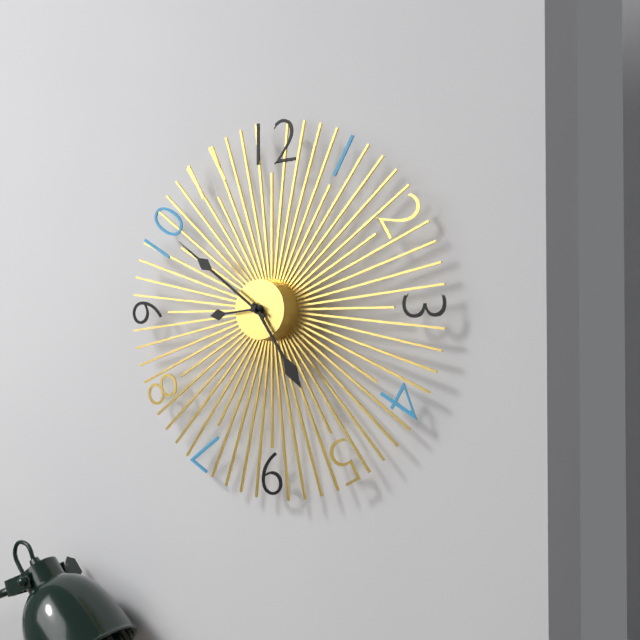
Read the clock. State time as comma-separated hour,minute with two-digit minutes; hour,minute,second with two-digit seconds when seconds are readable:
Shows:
4,51,44
